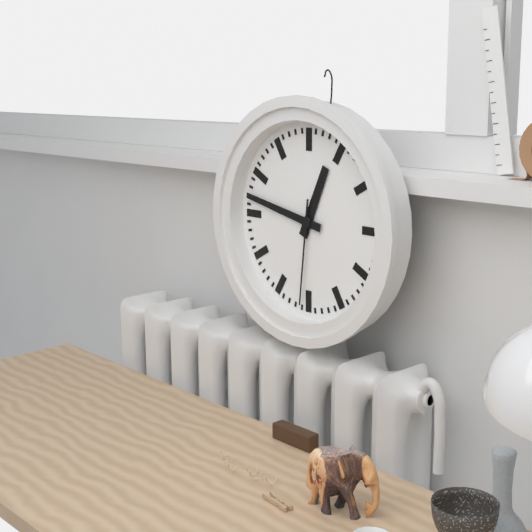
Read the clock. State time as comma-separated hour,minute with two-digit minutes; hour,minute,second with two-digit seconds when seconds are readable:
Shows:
12,47,31
